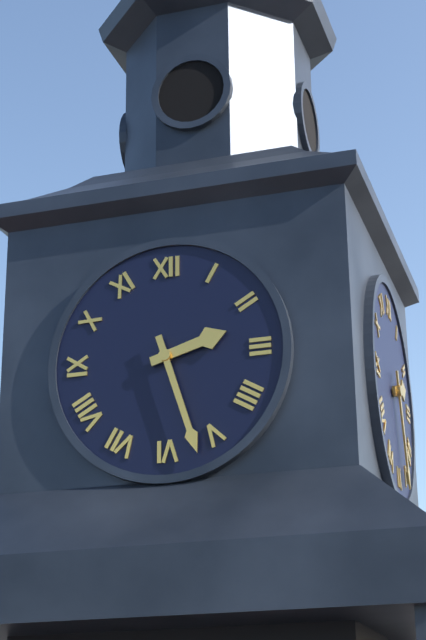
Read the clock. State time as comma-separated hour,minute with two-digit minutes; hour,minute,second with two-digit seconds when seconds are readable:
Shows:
2,27
